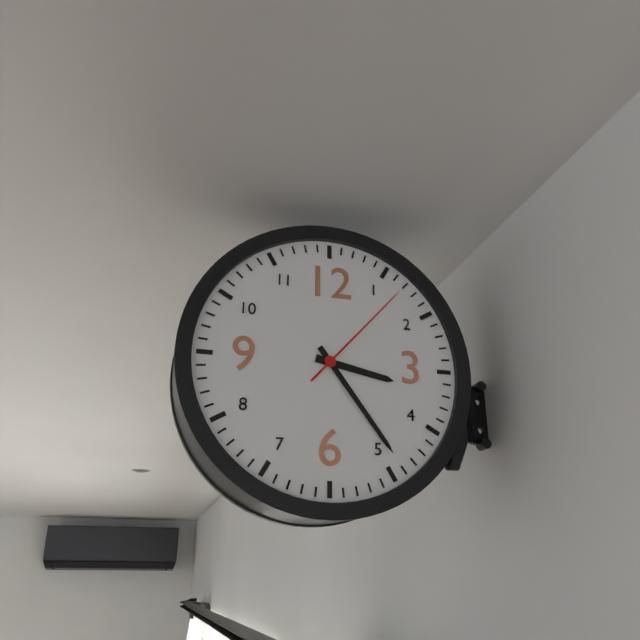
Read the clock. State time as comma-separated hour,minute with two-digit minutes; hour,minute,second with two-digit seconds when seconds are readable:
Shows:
3,24,07
